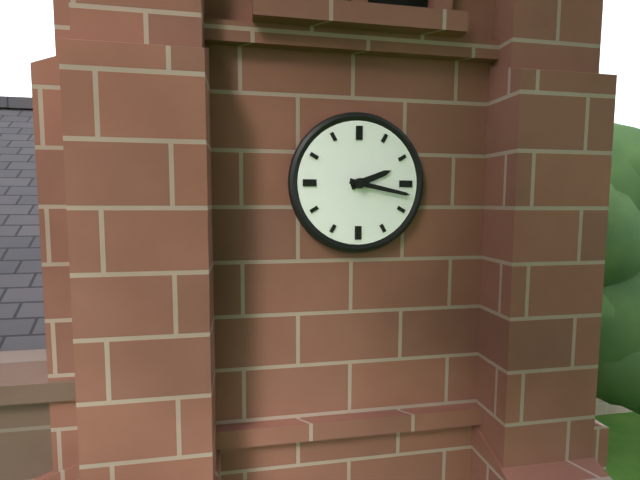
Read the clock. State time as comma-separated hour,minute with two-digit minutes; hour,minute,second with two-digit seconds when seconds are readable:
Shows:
2,17
